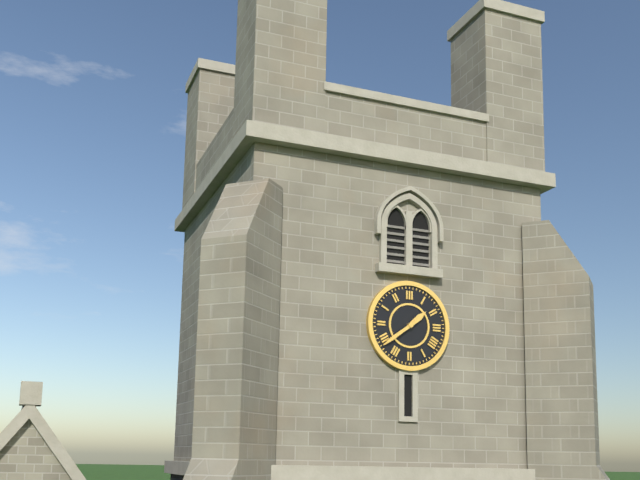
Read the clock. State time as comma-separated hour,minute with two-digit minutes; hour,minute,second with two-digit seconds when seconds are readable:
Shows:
1,39
